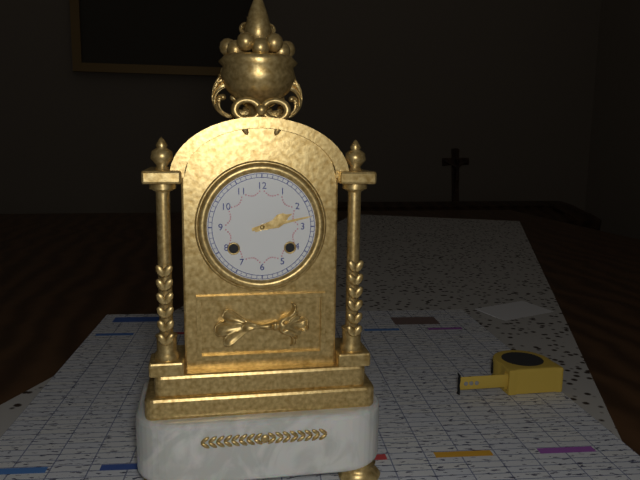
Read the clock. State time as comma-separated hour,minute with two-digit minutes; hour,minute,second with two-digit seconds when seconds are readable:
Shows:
2,13
